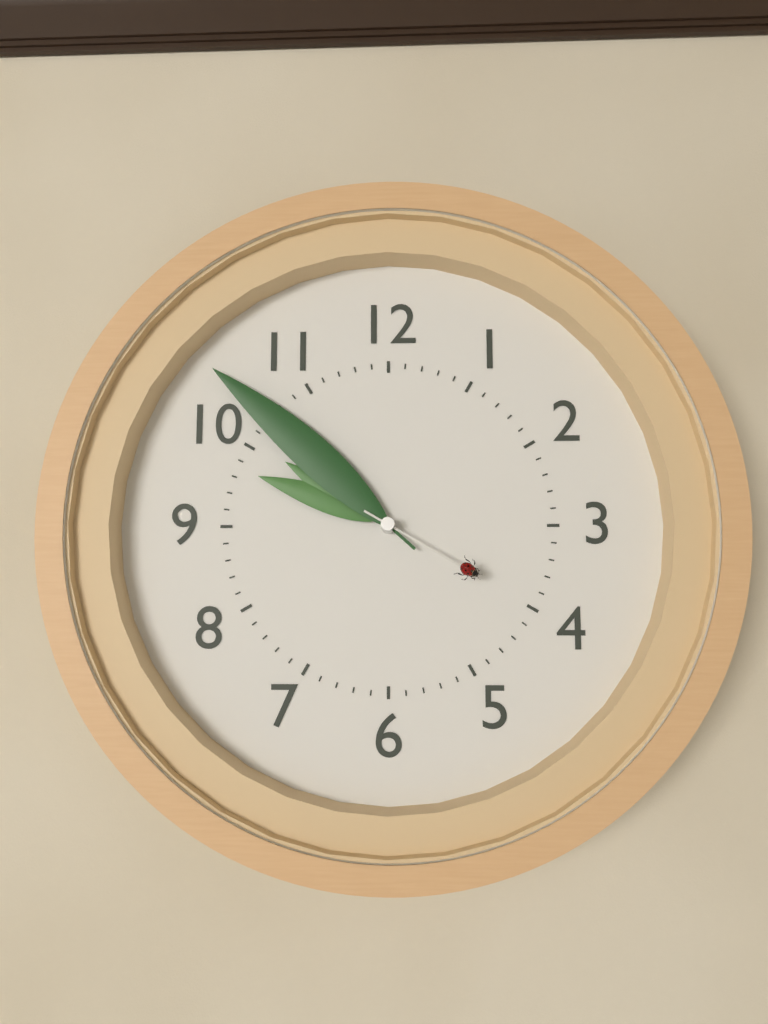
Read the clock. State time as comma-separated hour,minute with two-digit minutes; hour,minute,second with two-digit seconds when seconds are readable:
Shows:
9,52,20
